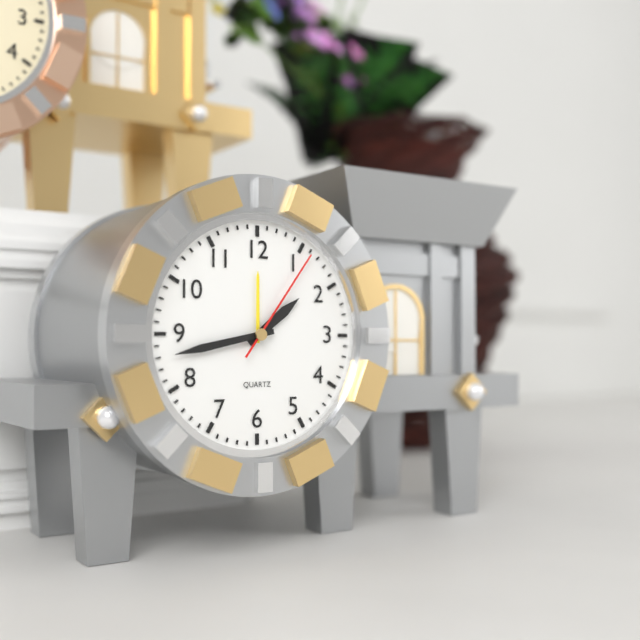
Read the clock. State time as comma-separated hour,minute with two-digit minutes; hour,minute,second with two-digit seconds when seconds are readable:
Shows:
1,43,06
